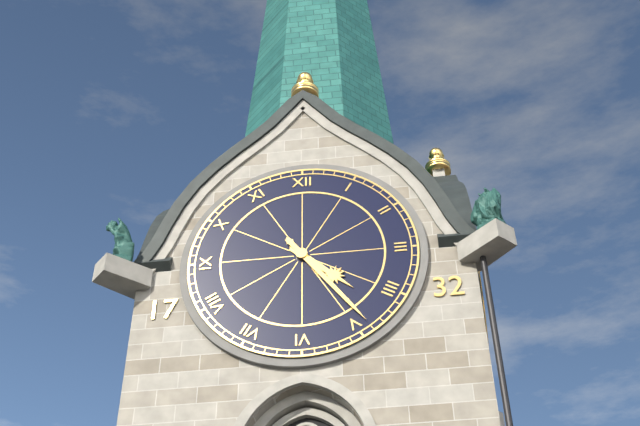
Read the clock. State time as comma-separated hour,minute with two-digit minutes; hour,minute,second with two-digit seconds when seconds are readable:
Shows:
4,24
